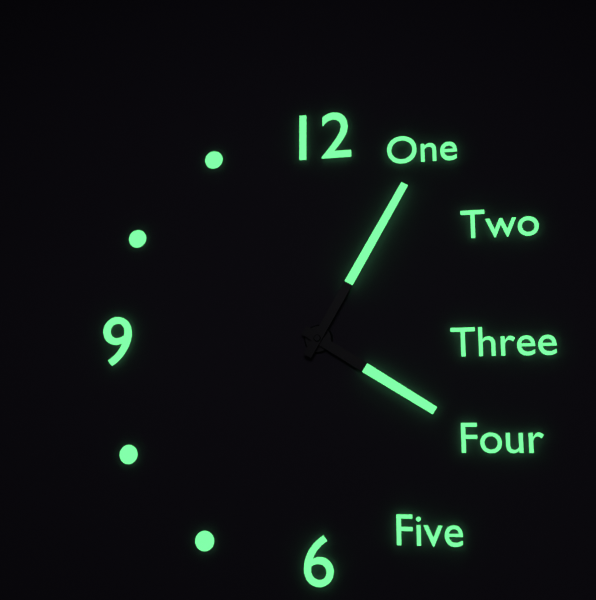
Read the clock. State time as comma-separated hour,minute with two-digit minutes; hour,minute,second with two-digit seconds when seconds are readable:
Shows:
4,05
